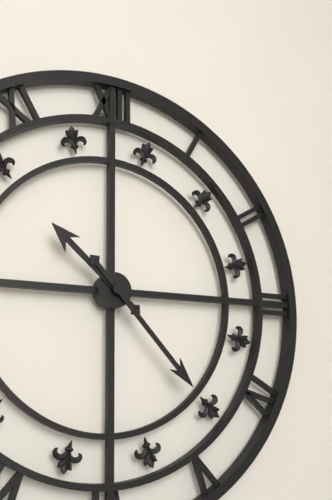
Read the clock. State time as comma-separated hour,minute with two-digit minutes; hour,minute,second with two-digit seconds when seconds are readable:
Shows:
10,23
